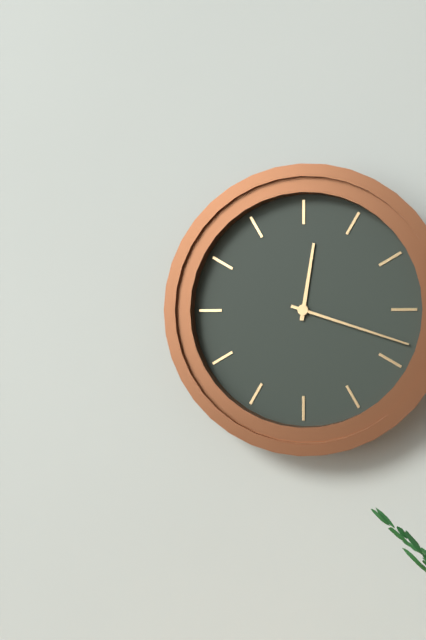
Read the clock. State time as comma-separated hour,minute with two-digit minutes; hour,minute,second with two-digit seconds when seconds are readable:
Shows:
12,18
